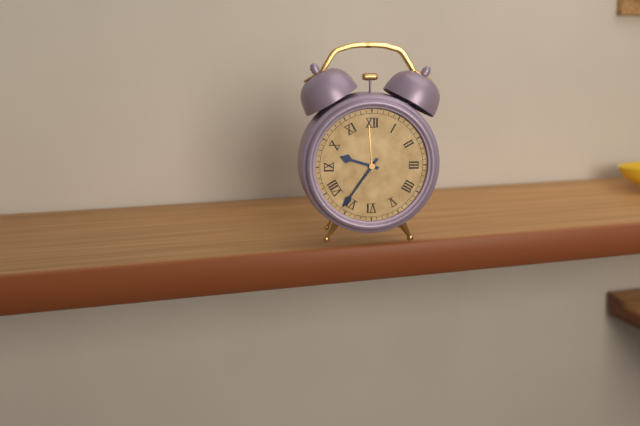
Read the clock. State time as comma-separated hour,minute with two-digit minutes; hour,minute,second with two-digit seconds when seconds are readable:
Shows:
9,36
